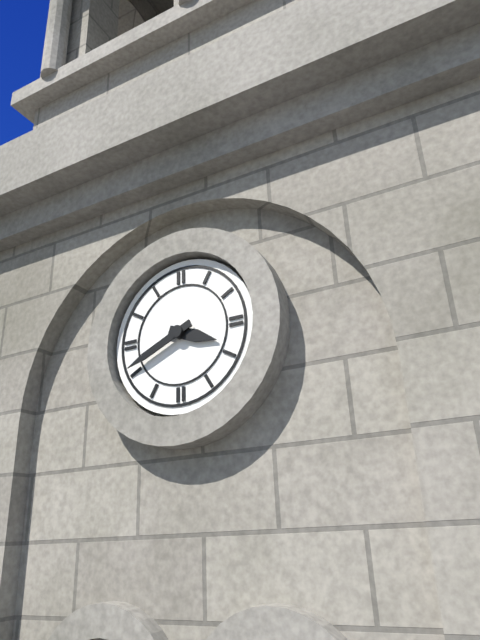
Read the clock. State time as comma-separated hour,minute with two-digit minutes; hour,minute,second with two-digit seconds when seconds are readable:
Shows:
3,41
